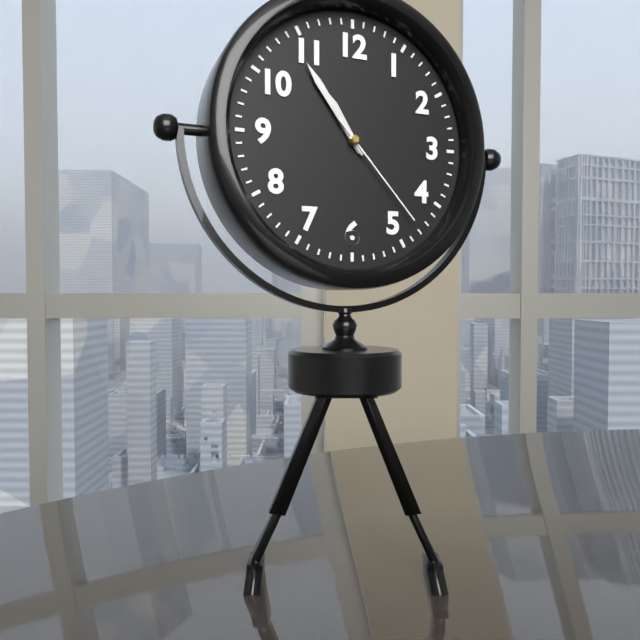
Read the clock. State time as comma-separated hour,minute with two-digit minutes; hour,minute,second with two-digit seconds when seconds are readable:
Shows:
10,54,23
